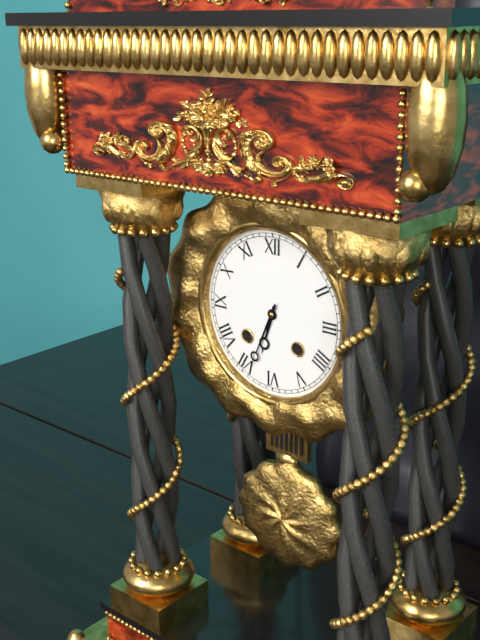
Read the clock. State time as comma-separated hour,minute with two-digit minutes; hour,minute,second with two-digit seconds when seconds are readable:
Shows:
6,34
